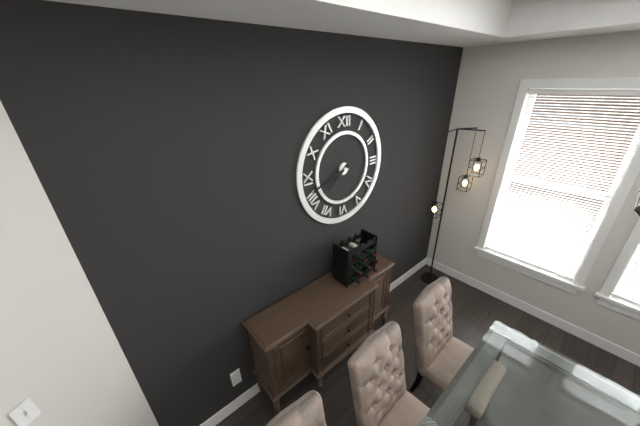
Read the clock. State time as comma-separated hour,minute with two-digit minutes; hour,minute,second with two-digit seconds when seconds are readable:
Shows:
7,42
